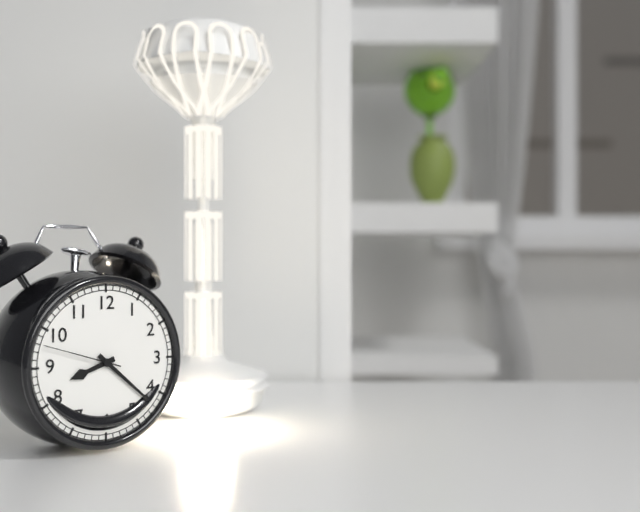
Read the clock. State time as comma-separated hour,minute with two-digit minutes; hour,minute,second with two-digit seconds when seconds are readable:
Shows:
8,22,48
